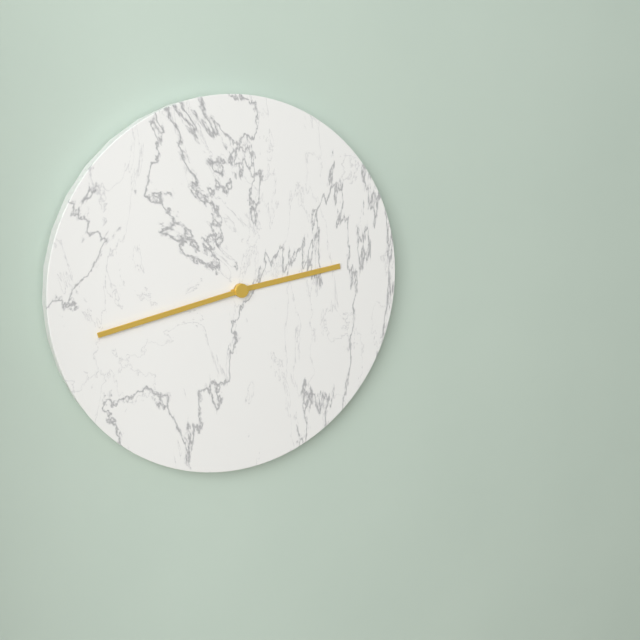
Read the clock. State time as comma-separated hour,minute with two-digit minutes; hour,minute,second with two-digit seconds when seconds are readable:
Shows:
2,43
